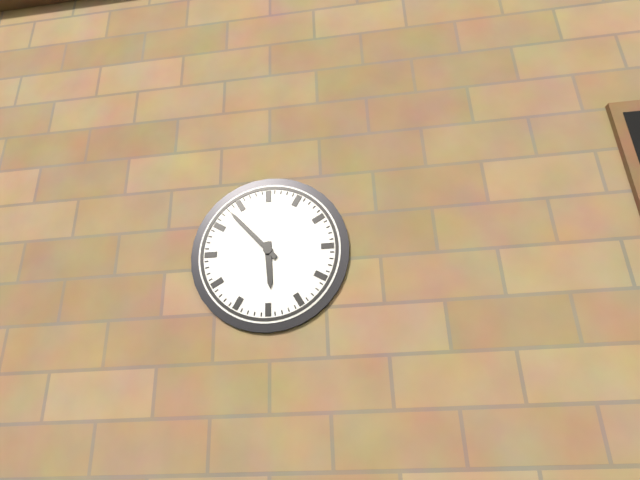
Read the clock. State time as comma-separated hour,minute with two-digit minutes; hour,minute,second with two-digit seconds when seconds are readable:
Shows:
5,53
